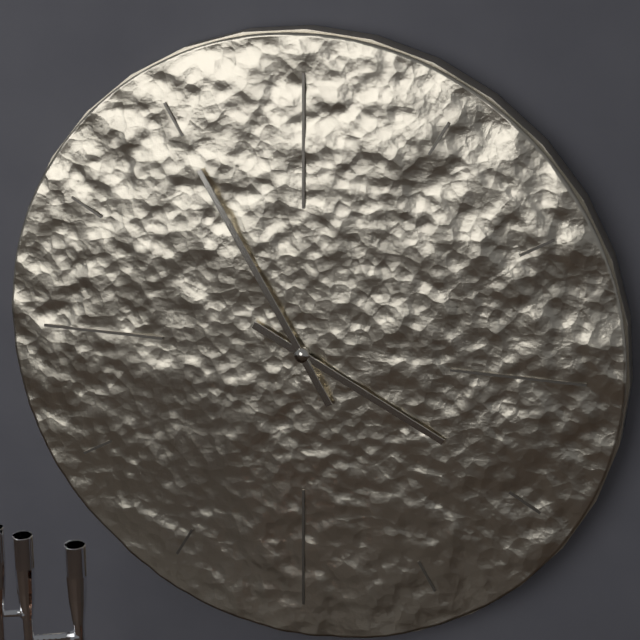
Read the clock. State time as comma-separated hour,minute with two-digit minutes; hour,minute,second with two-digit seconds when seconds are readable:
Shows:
3,55
